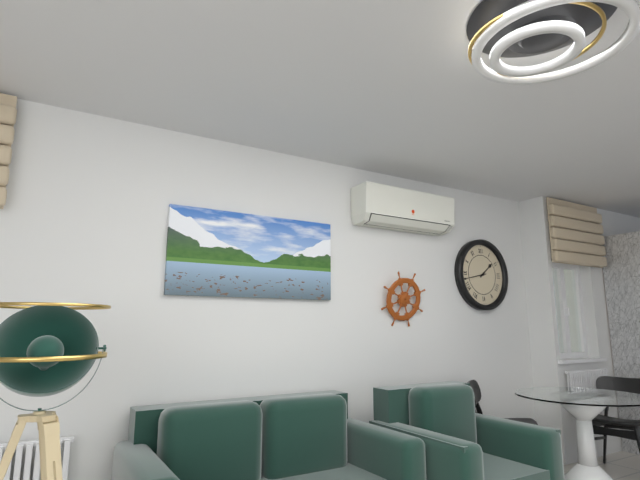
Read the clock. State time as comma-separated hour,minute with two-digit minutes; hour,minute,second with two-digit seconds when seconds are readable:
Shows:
1,43
